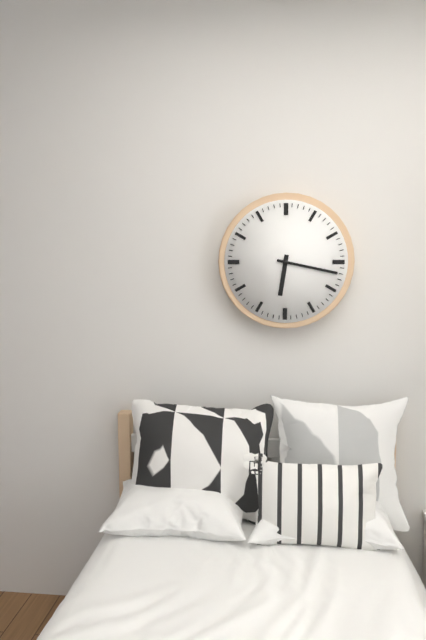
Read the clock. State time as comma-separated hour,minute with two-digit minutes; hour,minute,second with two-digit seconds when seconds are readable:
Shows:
6,17
